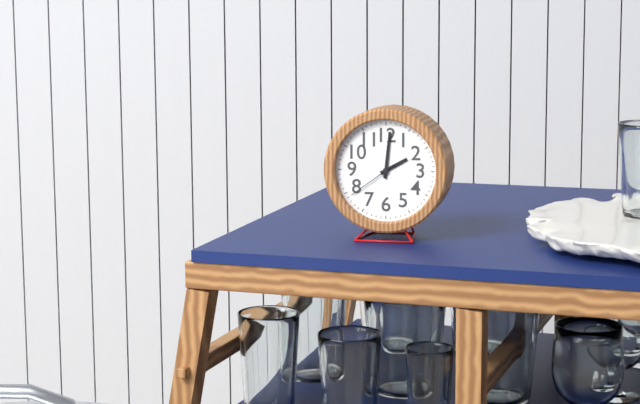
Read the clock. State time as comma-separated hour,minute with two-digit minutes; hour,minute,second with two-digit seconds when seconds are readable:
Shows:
2,01,39
